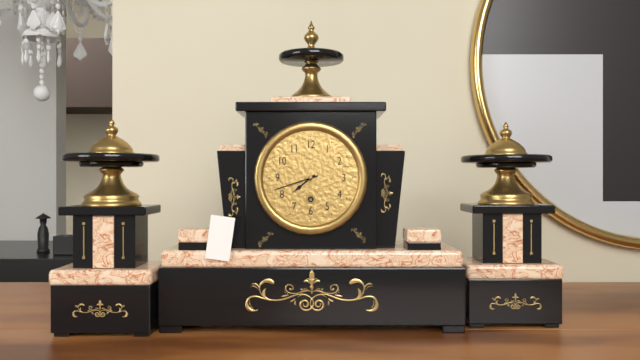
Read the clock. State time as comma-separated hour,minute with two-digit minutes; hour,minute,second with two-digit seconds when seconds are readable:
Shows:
7,42
